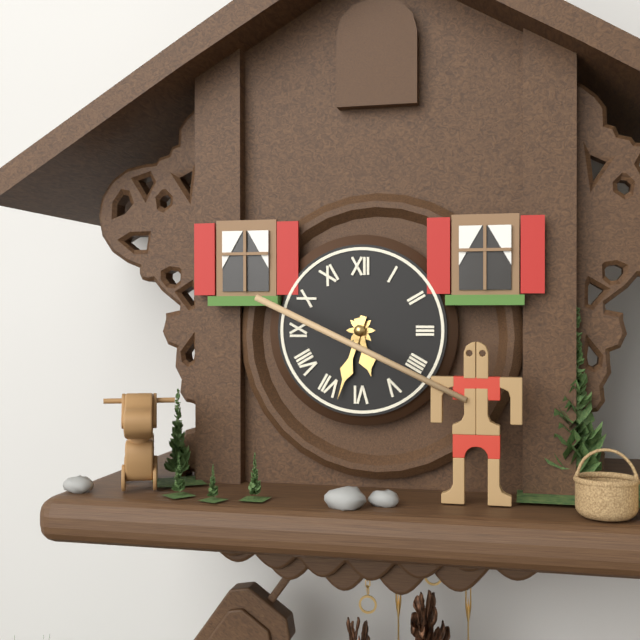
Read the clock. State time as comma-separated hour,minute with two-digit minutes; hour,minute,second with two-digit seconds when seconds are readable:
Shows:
5,33
